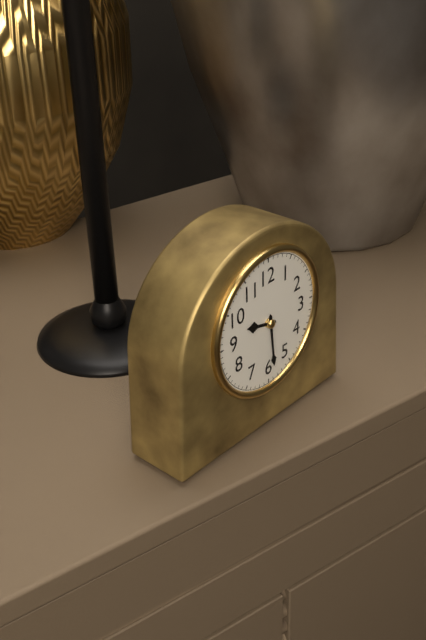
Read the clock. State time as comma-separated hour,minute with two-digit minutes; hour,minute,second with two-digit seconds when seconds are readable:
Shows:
9,29
